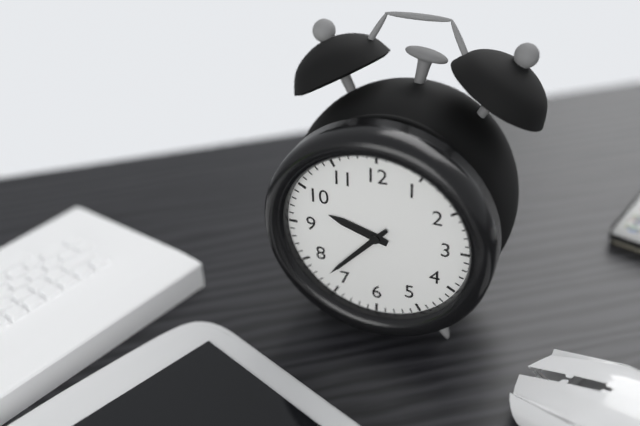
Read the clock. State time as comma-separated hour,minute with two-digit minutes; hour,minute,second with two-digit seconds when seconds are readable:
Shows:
9,37
